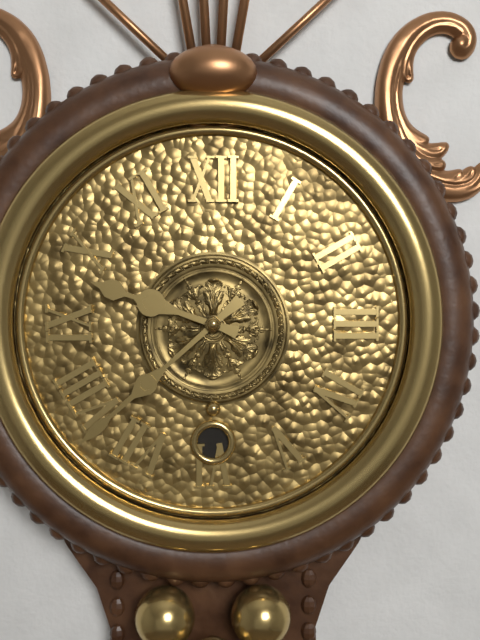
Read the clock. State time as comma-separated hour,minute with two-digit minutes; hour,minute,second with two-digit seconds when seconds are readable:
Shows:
9,38
